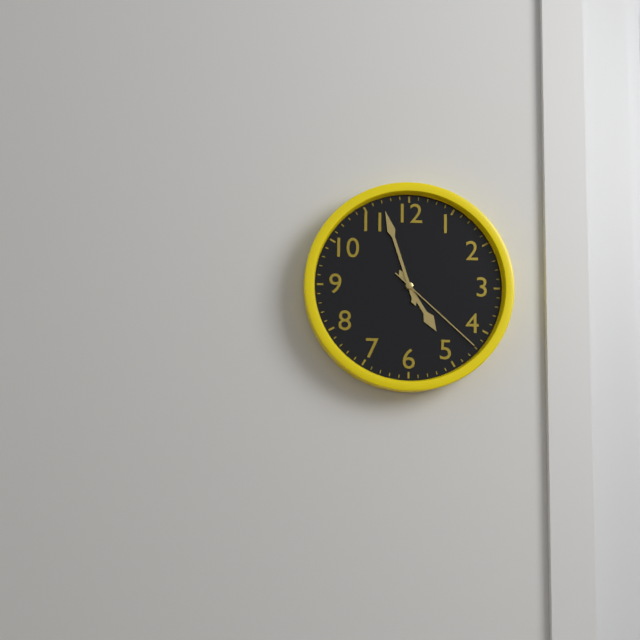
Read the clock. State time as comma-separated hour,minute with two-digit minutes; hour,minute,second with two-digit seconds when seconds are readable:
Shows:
4,57,22
